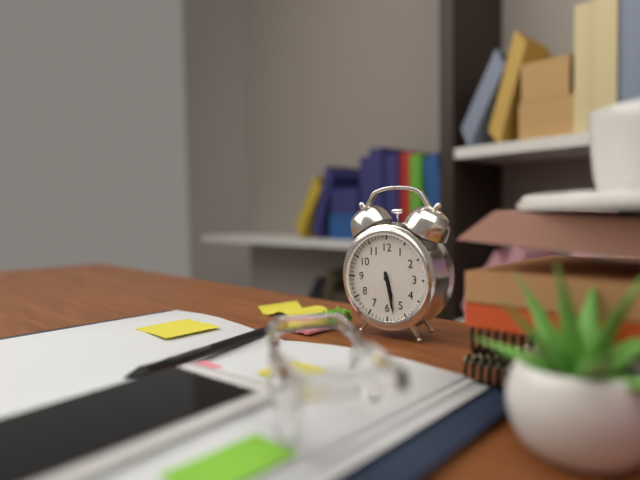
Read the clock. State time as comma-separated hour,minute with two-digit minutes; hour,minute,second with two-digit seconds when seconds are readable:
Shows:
5,28
